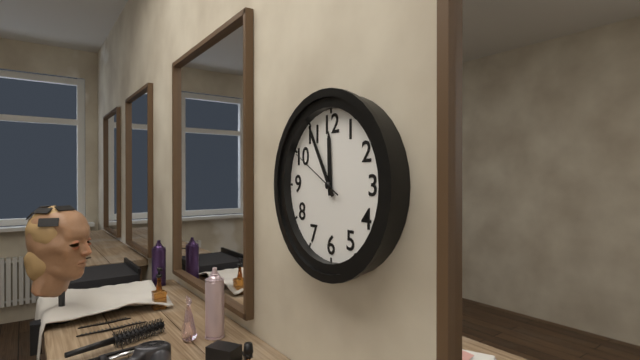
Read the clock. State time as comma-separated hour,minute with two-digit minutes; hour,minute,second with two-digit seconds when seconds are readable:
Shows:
11,55,50
